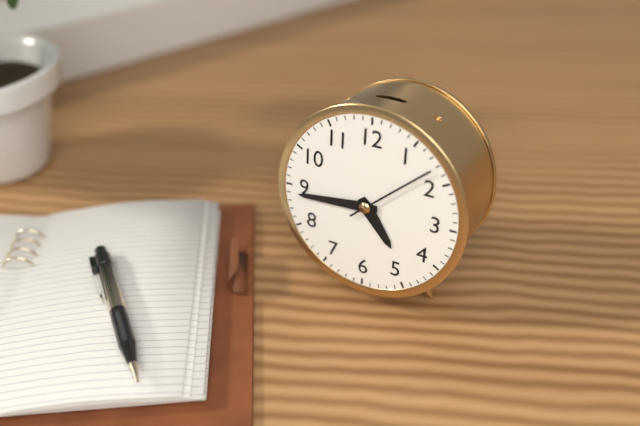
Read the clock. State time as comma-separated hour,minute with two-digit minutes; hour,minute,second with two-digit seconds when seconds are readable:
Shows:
4,44,08
